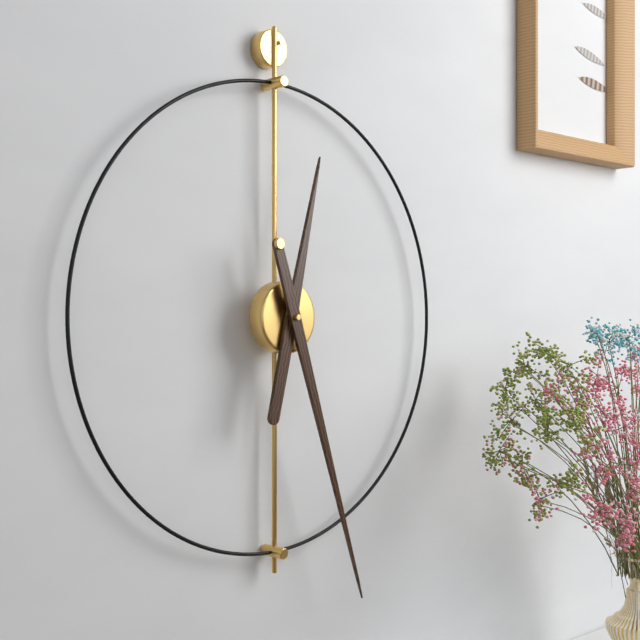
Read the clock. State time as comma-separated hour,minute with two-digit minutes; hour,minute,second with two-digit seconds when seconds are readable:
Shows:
12,27
